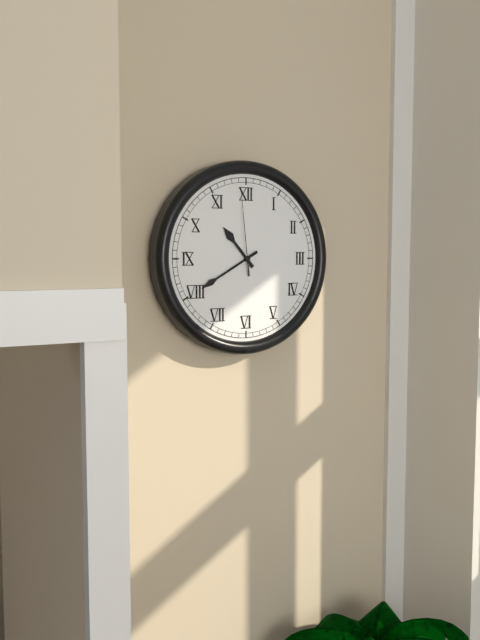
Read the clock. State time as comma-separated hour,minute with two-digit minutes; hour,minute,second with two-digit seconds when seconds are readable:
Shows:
10,40,59
